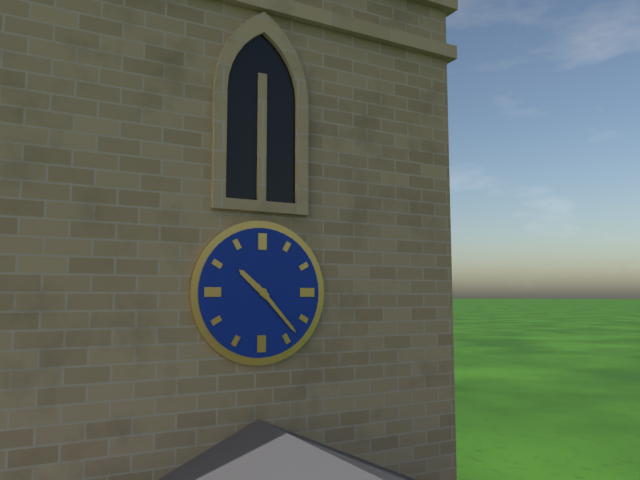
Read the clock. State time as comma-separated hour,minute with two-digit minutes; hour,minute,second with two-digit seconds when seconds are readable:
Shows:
10,23
